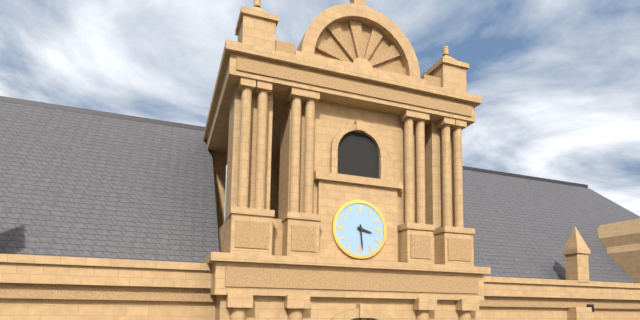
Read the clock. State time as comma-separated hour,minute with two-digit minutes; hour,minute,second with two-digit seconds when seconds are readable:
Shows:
3,29
